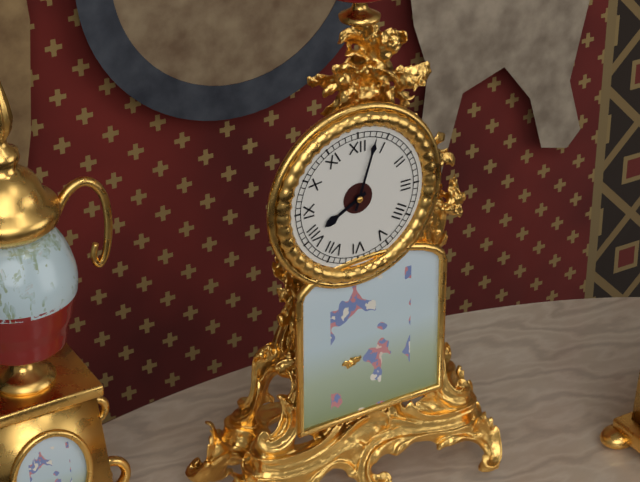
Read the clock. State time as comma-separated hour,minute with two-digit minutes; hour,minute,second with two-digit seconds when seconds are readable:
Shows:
8,03
